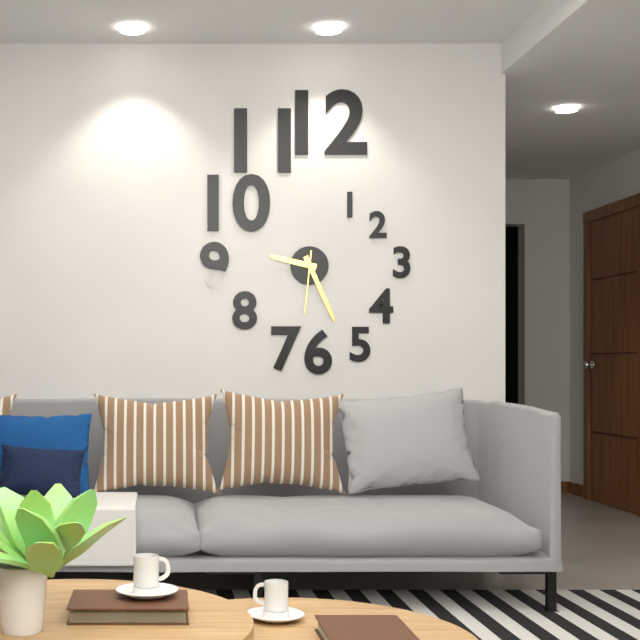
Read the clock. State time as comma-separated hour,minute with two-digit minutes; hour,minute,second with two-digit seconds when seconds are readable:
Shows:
9,26,31
